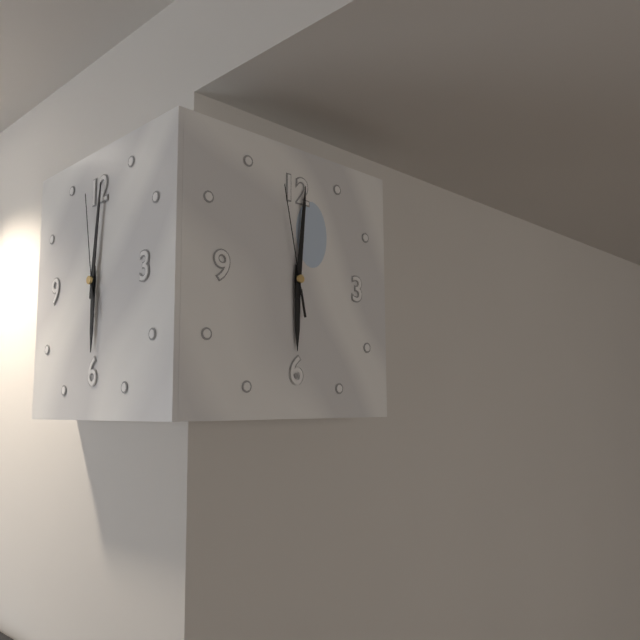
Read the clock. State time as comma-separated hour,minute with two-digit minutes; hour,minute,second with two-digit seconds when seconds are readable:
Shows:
6,01,58
